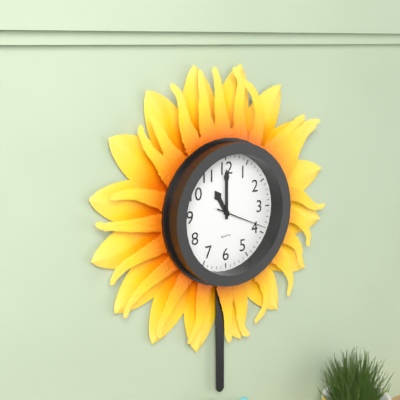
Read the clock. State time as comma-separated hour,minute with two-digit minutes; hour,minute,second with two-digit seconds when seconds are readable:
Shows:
11,00
